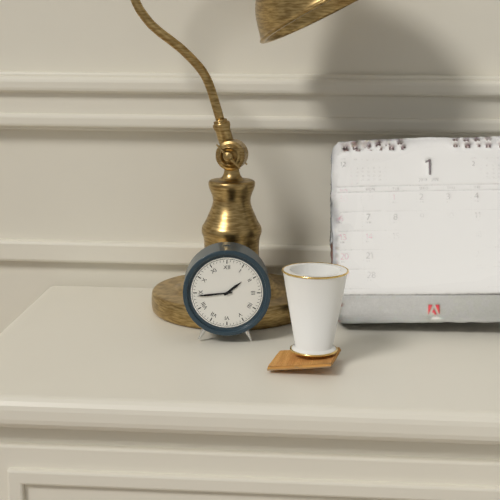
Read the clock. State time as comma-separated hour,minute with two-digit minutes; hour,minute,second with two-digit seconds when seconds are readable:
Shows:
1,44
